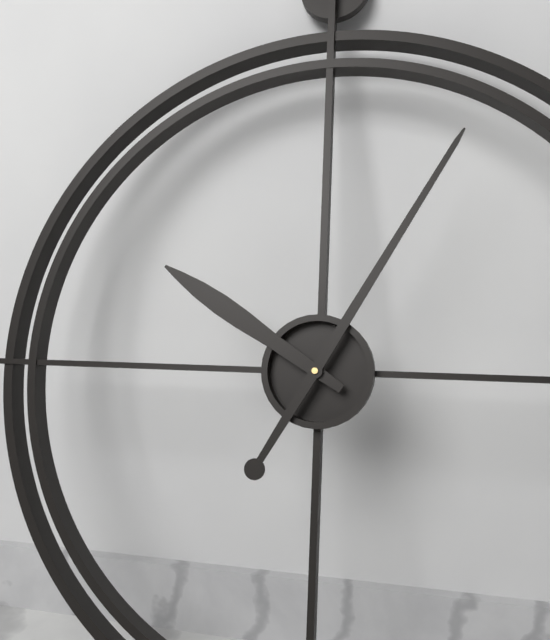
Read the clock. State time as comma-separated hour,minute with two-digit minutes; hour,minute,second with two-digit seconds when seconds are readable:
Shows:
10,05
